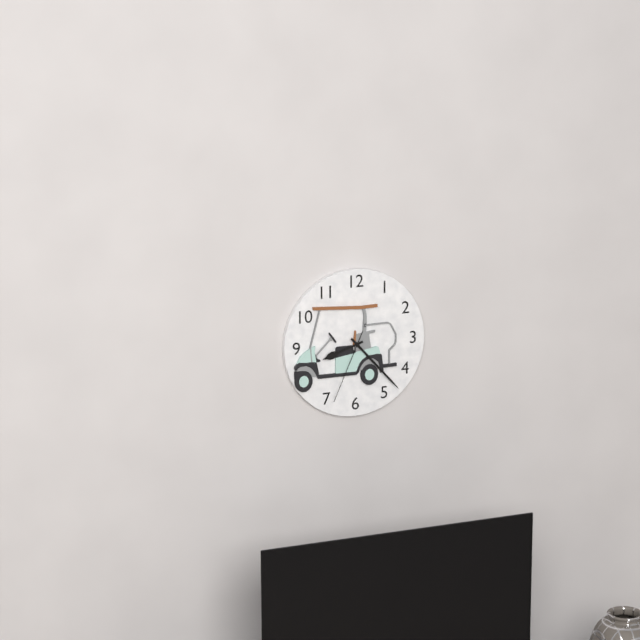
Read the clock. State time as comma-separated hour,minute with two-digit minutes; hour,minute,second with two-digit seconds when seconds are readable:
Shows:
8,23,34
